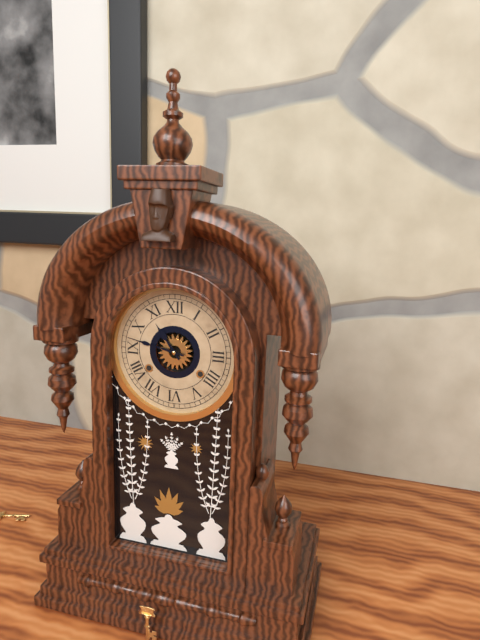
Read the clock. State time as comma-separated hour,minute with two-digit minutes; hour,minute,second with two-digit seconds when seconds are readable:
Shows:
10,47
